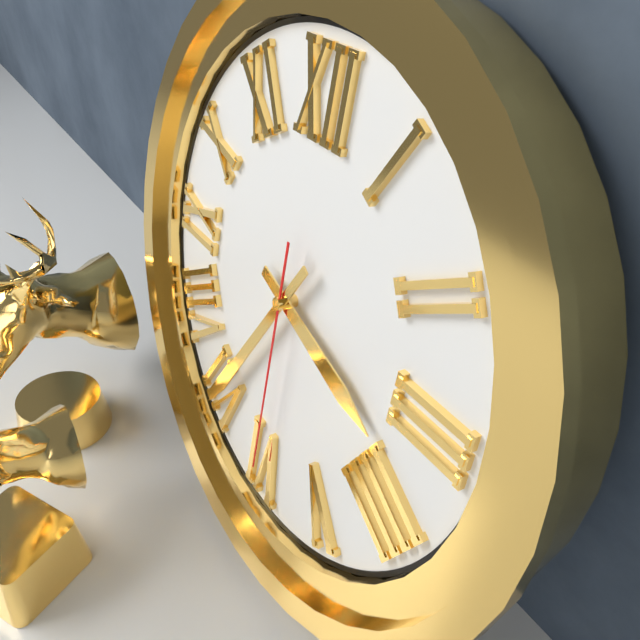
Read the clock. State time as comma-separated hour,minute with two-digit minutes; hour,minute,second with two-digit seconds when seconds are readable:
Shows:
3,35,30
